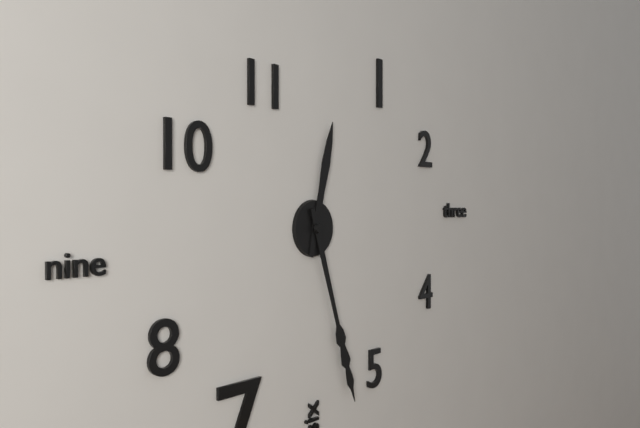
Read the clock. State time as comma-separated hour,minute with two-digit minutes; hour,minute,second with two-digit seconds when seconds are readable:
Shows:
12,27
